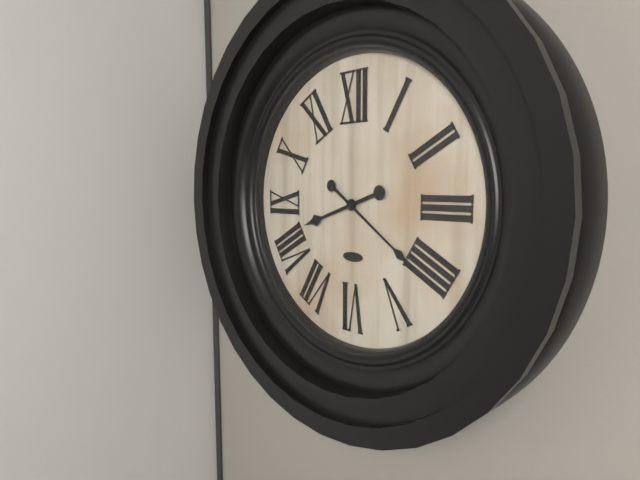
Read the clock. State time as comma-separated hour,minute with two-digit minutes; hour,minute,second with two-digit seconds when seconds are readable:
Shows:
8,21
